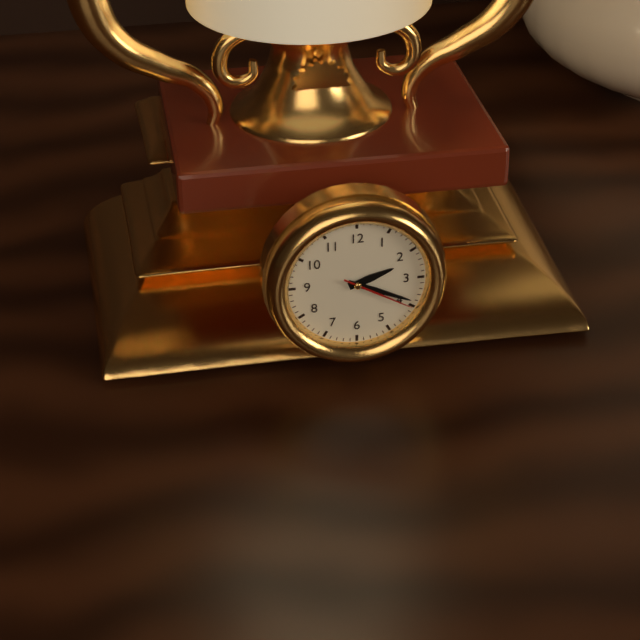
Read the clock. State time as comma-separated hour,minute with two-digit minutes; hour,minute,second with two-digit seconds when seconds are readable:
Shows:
2,19,20
